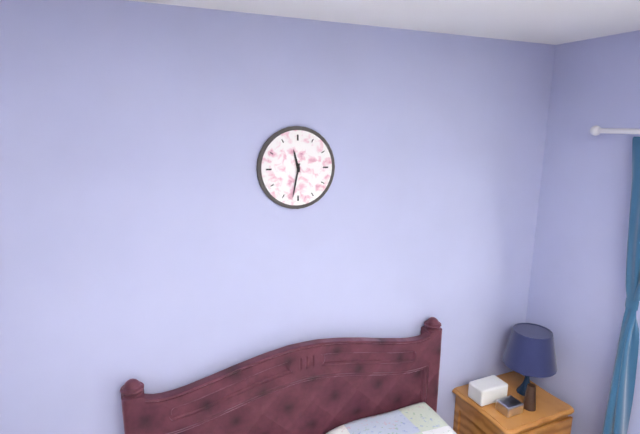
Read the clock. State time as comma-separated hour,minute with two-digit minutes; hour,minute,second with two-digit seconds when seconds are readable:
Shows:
11,32
